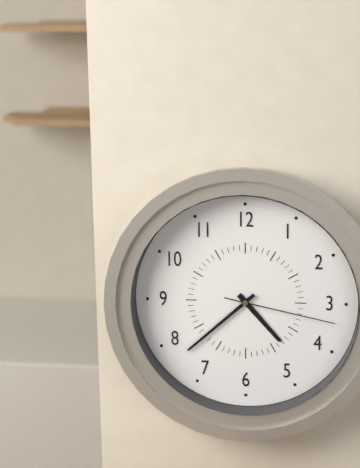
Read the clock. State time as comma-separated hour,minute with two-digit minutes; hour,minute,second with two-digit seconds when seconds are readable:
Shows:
4,38,17
